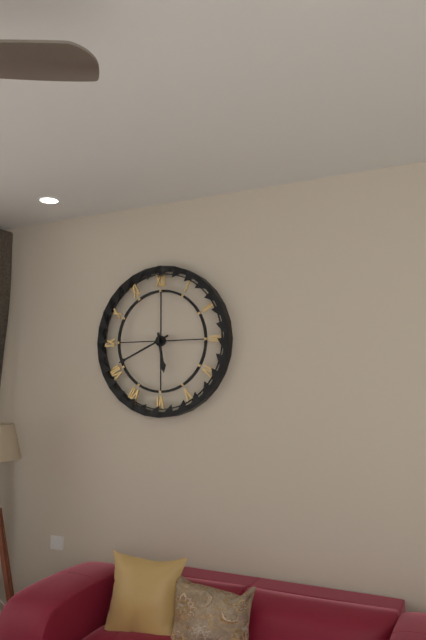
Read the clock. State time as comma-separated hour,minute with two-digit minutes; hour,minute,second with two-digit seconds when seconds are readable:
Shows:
5,41
